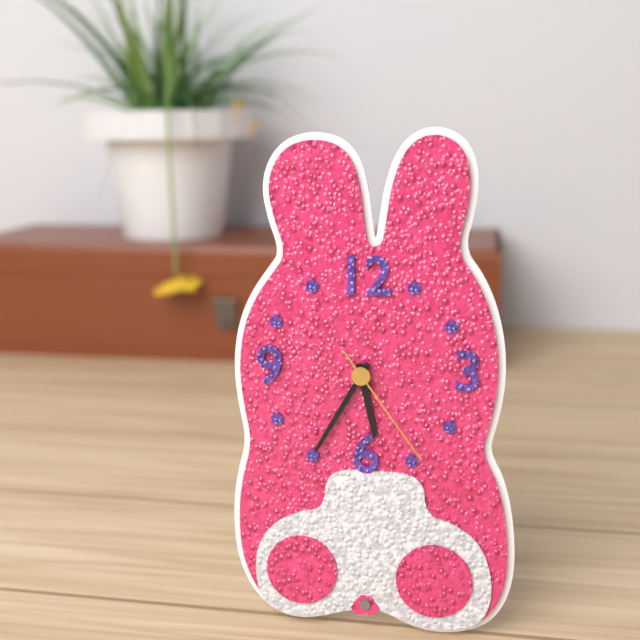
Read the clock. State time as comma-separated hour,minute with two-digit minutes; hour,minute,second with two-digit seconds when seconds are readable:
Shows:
5,35,24
